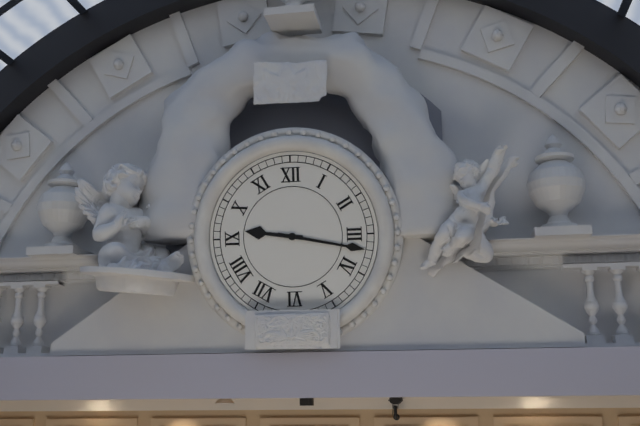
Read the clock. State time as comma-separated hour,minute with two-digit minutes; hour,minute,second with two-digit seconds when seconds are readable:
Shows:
9,17
